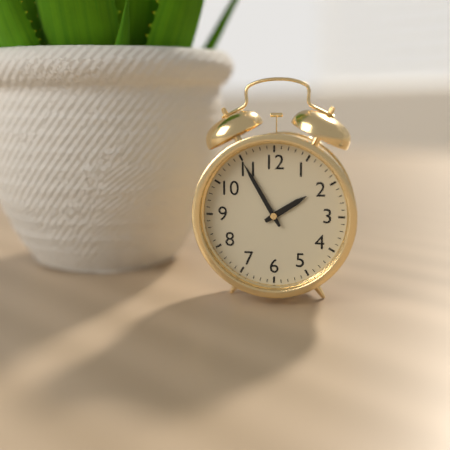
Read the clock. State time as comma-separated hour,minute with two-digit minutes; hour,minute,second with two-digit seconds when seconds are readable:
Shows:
1,55
